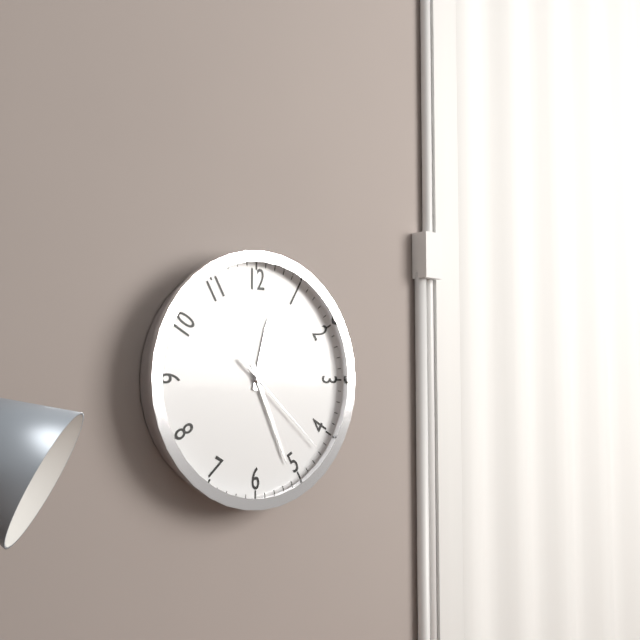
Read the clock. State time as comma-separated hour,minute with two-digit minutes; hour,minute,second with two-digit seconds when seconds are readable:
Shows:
12,26,22
